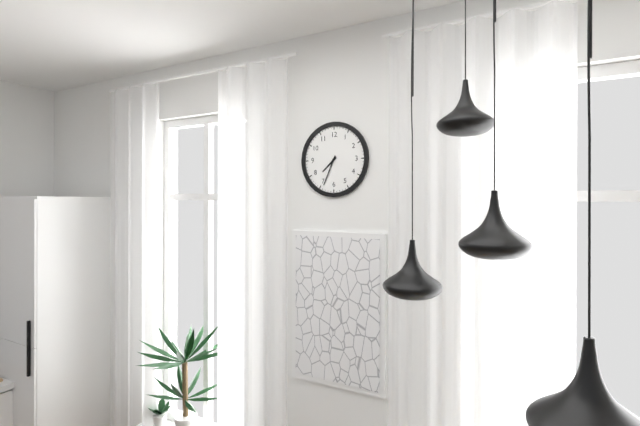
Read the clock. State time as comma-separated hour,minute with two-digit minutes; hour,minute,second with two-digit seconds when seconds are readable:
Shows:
7,34
